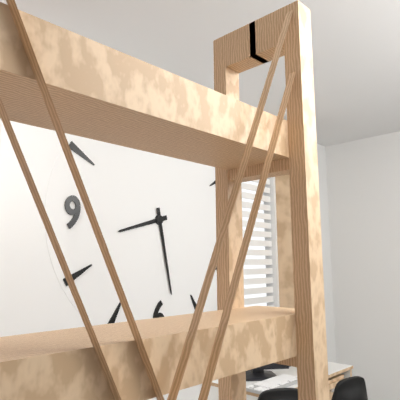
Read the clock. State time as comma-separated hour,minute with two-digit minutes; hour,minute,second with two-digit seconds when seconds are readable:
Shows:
8,28
